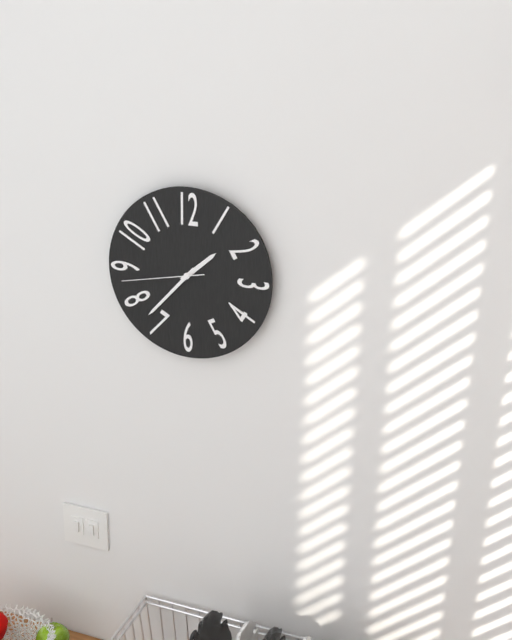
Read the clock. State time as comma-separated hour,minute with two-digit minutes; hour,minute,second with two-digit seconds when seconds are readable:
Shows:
1,37,43
